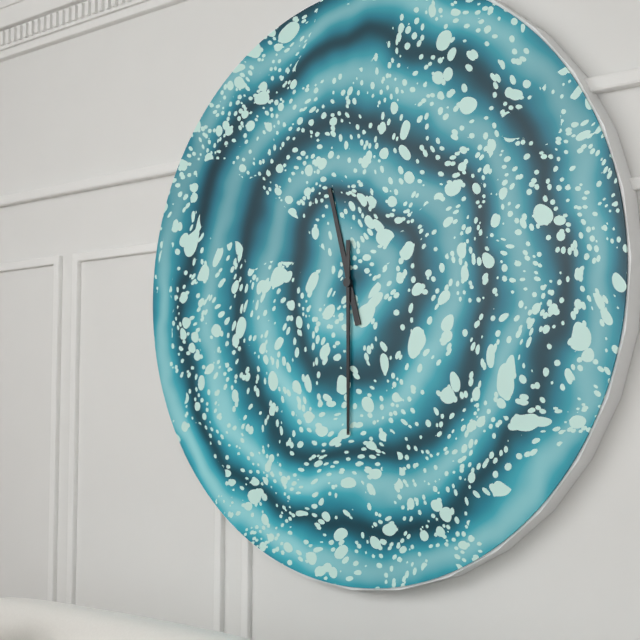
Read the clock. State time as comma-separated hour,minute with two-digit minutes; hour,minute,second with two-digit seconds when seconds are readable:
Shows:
11,30
